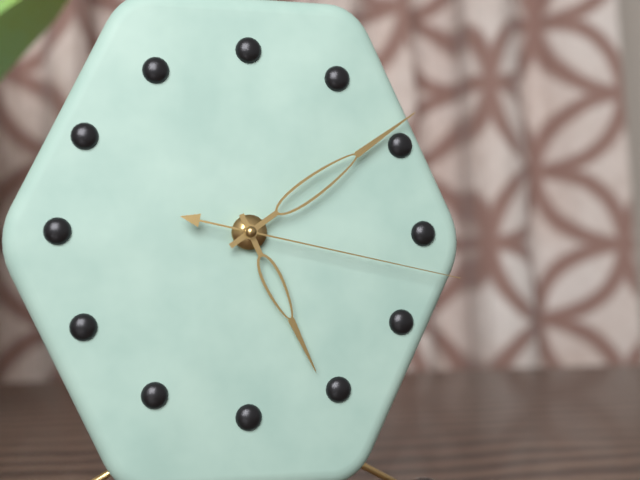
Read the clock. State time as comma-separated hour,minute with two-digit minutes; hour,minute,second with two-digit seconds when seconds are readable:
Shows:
5,09,17
